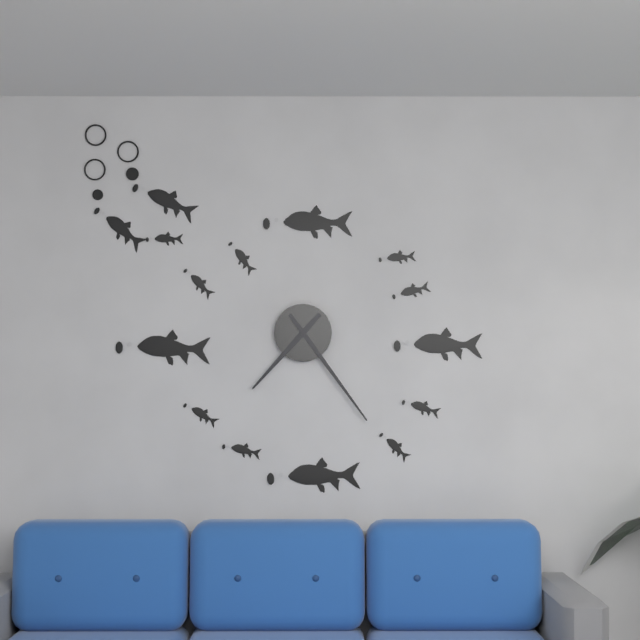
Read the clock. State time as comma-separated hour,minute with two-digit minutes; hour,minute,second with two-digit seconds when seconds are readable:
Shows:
7,24
